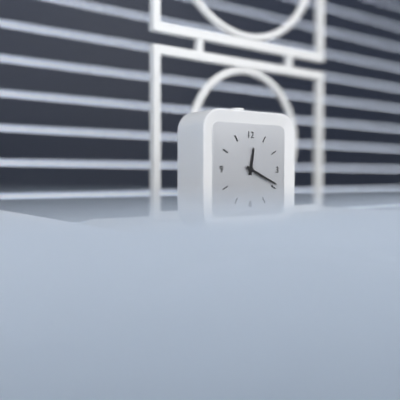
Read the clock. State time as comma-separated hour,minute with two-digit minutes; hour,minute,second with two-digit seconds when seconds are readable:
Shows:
12,19
